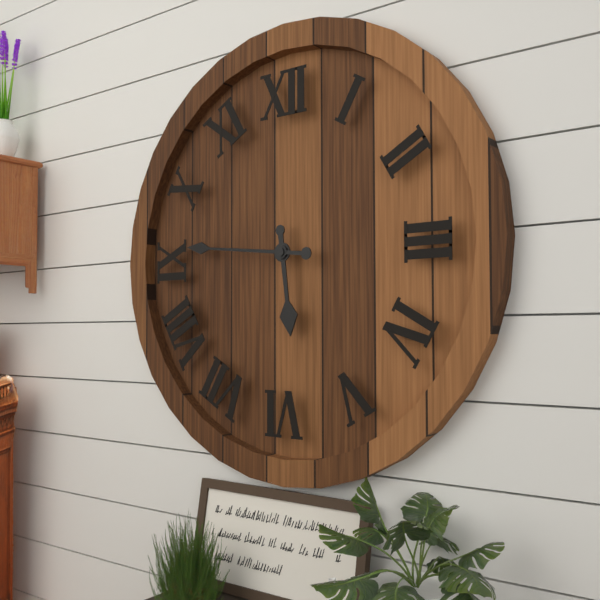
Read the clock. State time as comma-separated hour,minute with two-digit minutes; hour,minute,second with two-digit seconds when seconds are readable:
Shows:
5,46
